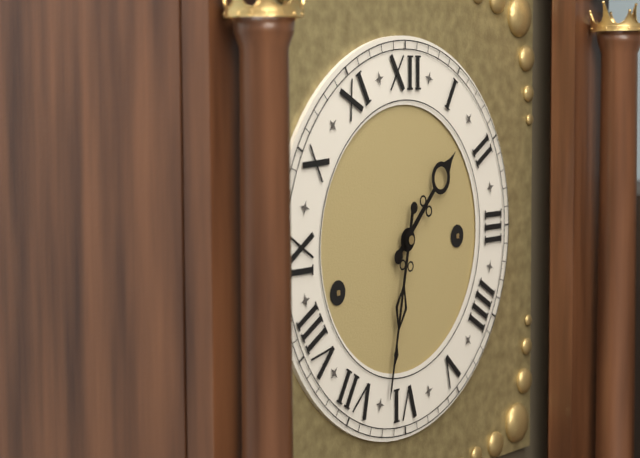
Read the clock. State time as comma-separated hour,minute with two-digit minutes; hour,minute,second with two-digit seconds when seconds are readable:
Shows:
1,32
